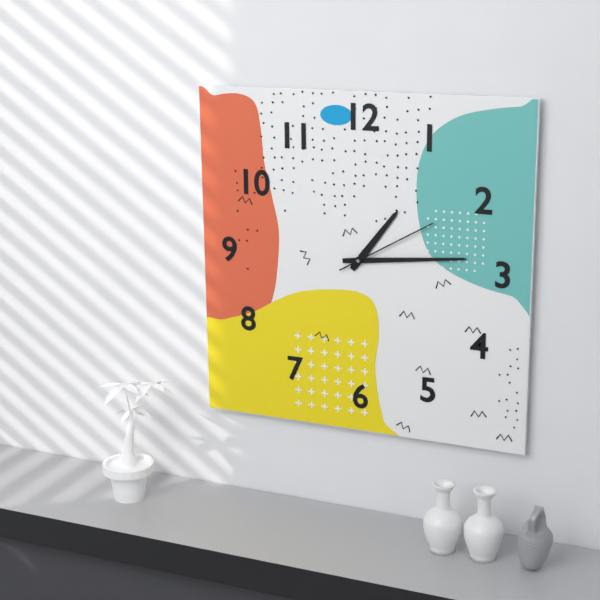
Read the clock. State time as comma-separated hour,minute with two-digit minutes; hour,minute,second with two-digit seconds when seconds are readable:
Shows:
1,14,10
